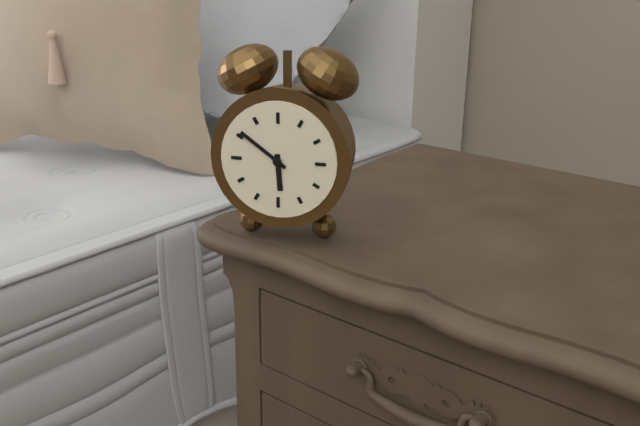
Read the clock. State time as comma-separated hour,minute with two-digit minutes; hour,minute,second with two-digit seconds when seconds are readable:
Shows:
5,51
